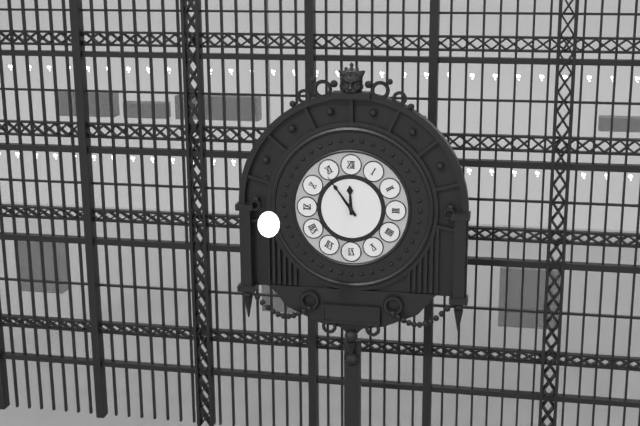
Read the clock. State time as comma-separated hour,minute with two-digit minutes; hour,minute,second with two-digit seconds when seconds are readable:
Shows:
11,54
